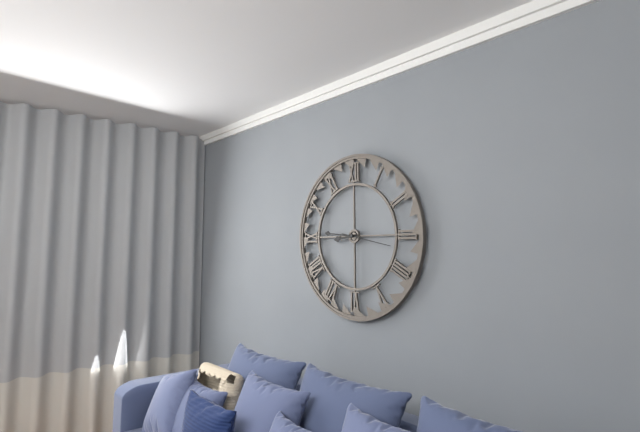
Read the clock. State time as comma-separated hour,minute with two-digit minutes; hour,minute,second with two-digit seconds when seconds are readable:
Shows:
8,46
